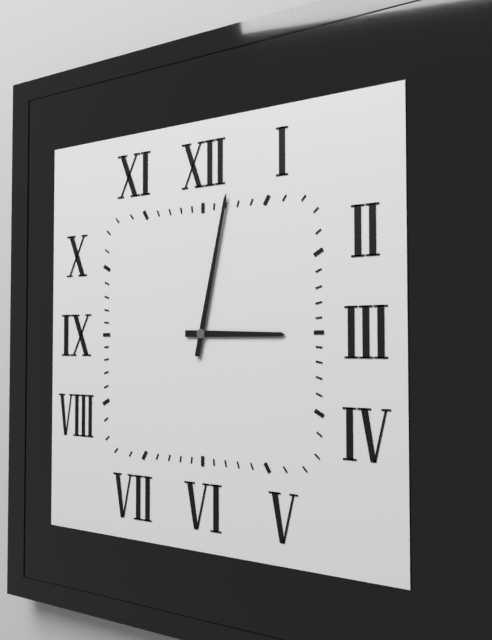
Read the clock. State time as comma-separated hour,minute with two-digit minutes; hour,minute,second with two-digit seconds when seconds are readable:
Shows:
3,02
